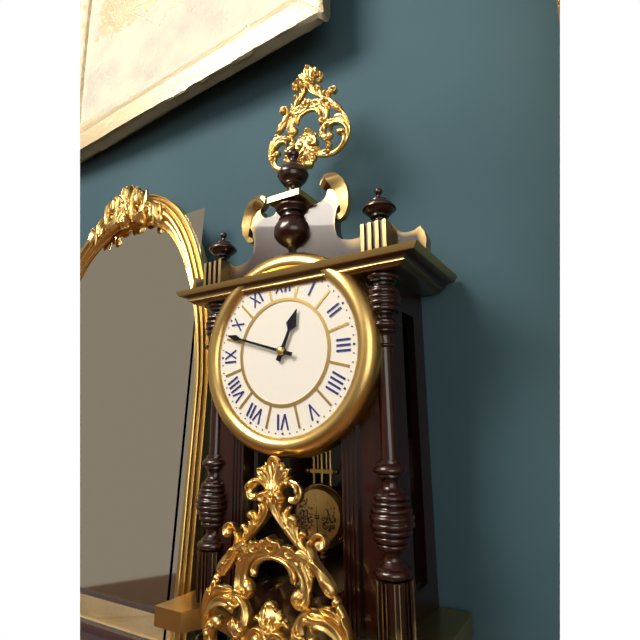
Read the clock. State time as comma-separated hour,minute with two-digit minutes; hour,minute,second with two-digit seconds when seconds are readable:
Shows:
12,48
